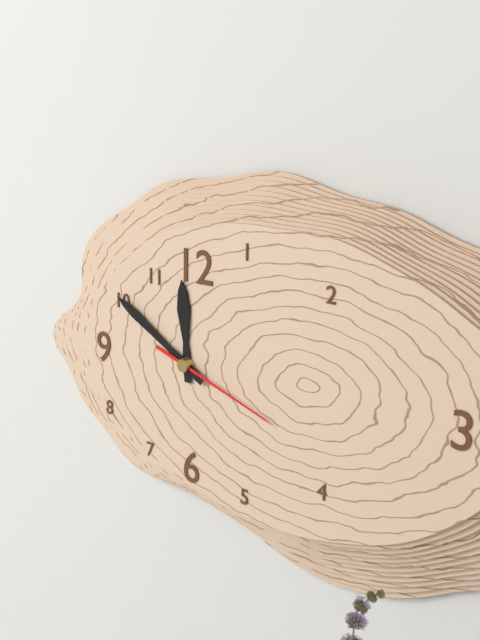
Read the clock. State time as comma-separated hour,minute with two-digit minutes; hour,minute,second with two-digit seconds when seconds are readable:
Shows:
11,50,18
